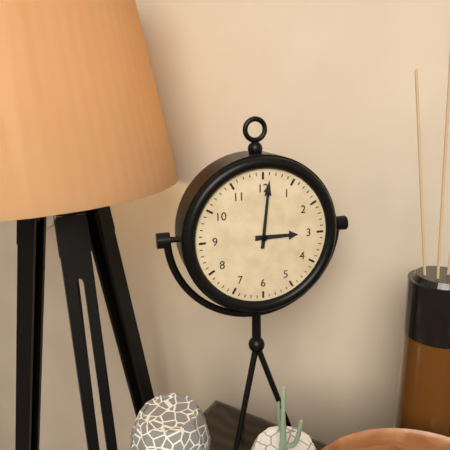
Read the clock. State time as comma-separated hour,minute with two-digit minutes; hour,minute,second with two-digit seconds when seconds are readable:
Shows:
3,01
